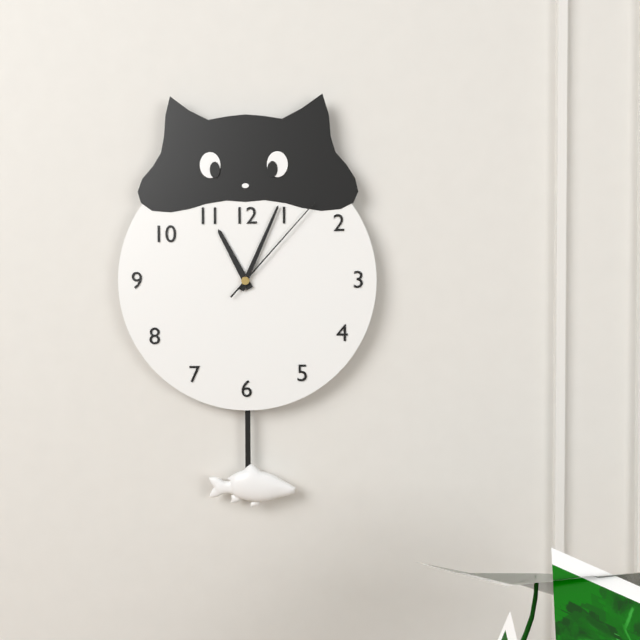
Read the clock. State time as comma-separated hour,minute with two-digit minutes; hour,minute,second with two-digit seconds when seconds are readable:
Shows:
11,04,07
